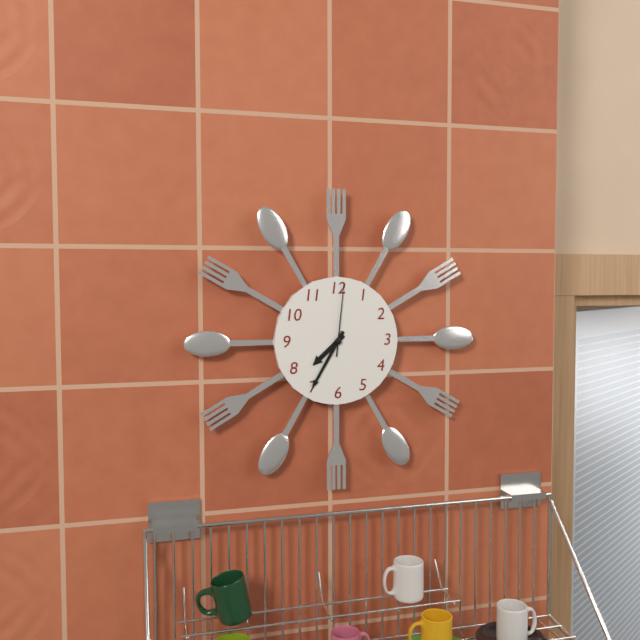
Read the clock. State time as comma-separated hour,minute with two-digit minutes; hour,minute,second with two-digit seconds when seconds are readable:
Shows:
7,35,01
